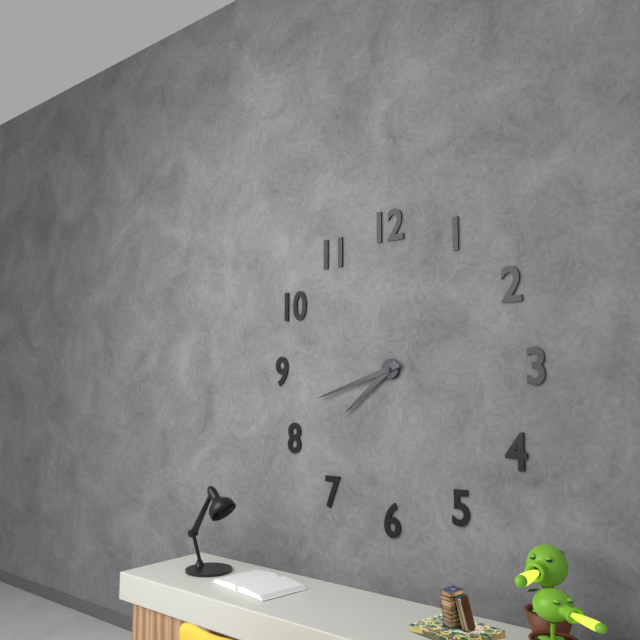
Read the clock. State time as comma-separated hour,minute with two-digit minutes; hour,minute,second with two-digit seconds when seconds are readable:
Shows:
7,42
